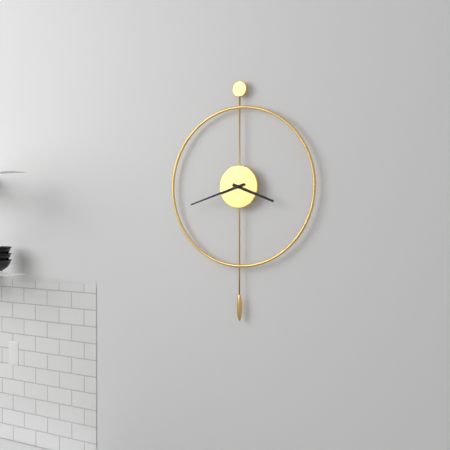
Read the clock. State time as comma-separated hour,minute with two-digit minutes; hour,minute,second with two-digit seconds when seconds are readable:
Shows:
3,42
